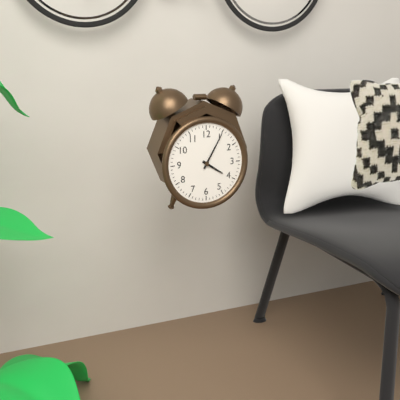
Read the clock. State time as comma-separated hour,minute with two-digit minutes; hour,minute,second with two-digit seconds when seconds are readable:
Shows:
4,05
